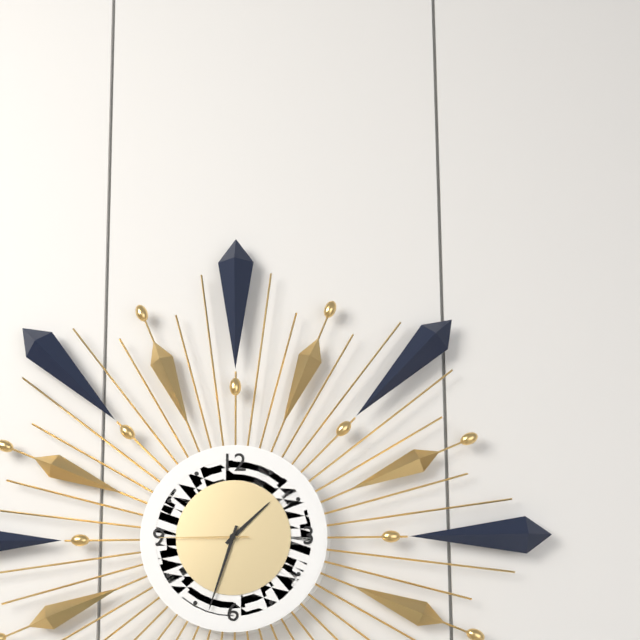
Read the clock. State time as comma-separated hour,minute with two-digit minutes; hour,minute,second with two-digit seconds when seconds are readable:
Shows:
1,33,45
